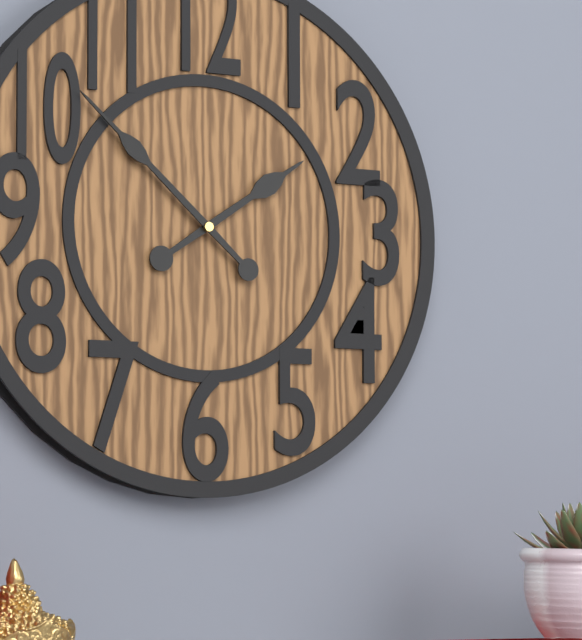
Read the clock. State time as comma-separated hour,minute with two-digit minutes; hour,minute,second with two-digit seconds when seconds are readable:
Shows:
1,52
